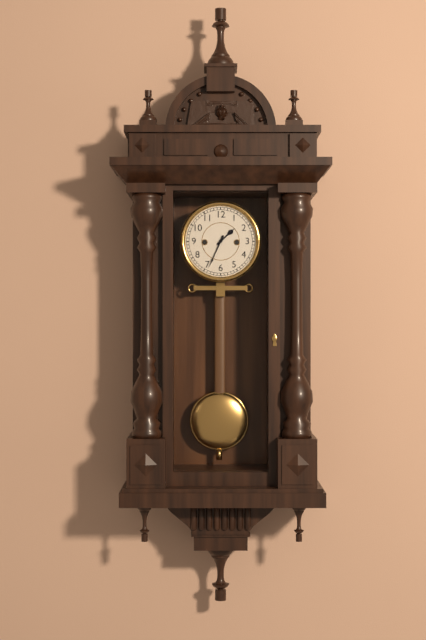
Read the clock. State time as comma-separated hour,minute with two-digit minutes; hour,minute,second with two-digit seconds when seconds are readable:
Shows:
1,34
